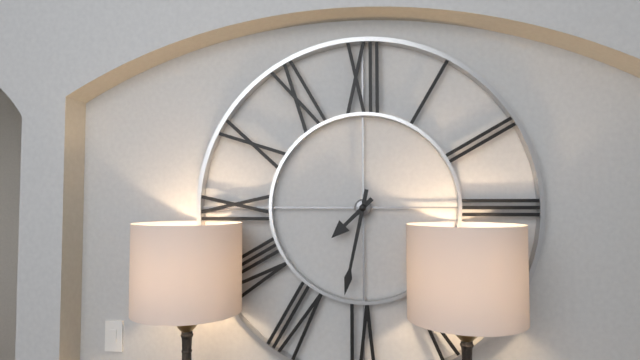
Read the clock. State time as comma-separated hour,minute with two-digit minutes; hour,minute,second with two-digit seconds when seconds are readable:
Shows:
7,32
